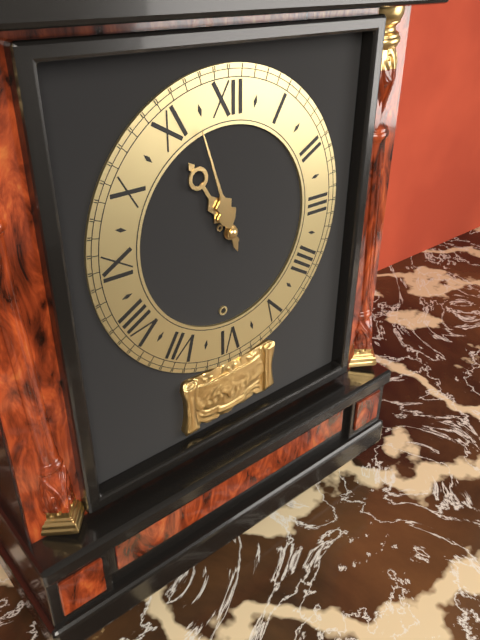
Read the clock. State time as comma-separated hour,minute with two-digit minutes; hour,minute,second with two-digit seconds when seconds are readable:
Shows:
10,57
